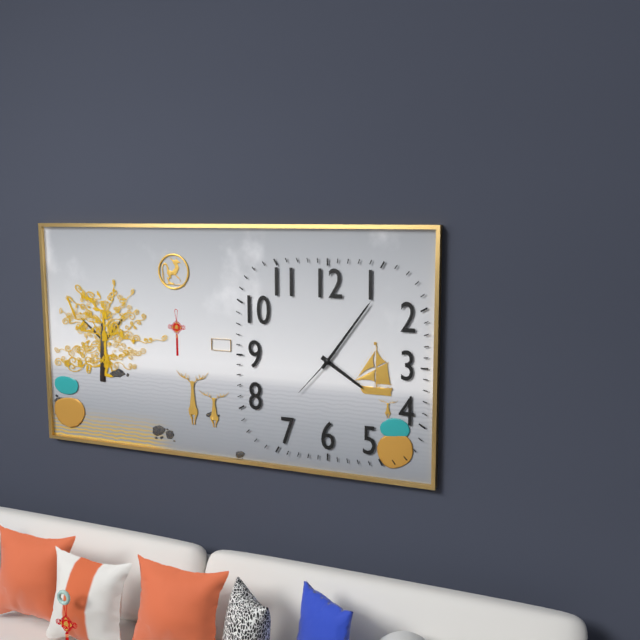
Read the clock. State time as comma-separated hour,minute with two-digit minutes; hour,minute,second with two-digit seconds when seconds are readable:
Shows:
4,06,37
